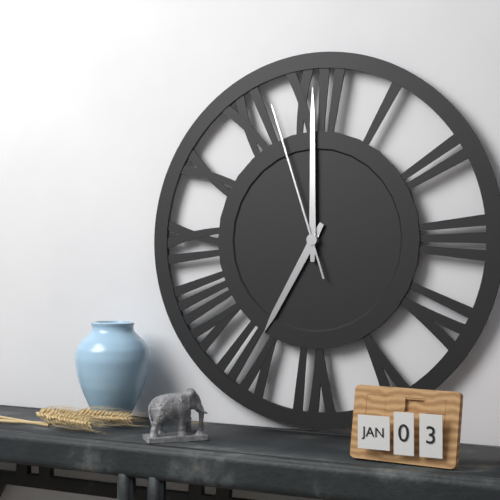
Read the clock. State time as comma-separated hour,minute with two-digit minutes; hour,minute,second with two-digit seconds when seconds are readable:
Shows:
7,00,57
